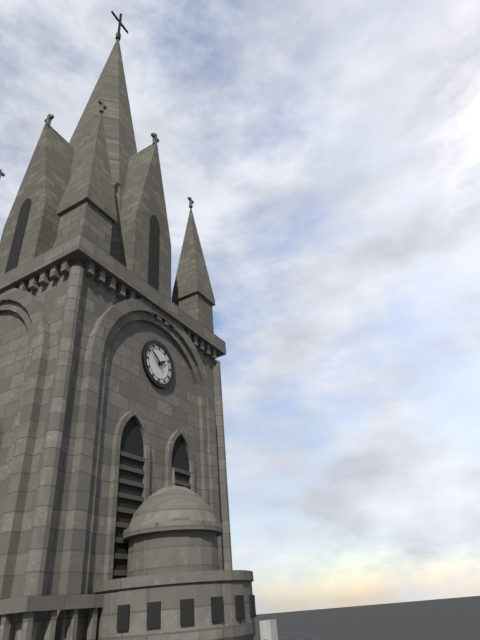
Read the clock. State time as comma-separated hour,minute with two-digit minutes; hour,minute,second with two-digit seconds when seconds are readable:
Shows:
1,51
